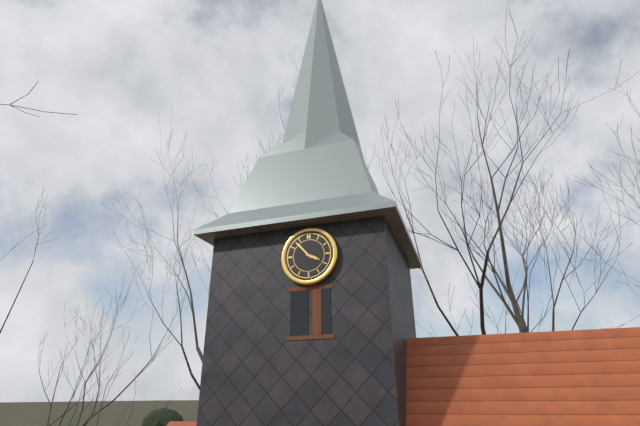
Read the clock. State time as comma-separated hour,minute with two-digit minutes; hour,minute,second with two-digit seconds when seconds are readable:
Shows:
3,53
